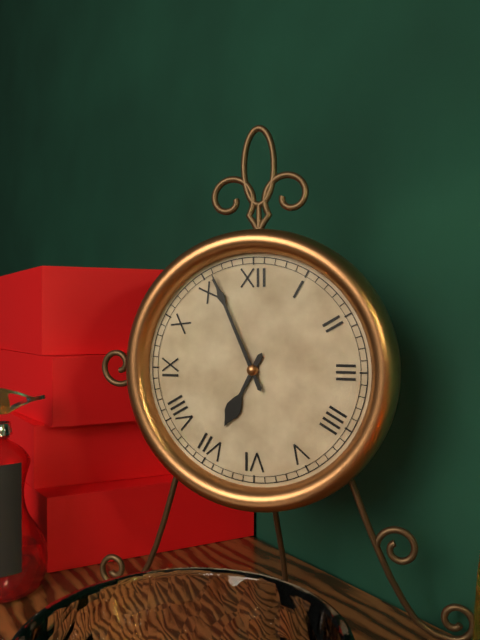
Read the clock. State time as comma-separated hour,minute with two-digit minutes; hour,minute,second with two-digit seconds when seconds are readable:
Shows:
6,56
